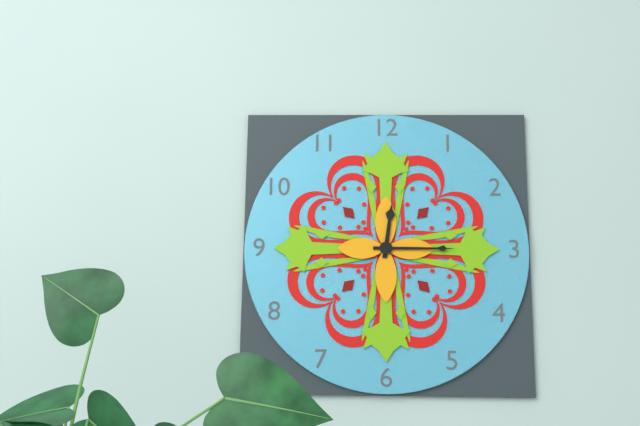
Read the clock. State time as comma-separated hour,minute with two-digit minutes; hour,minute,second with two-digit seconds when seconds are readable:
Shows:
12,15
